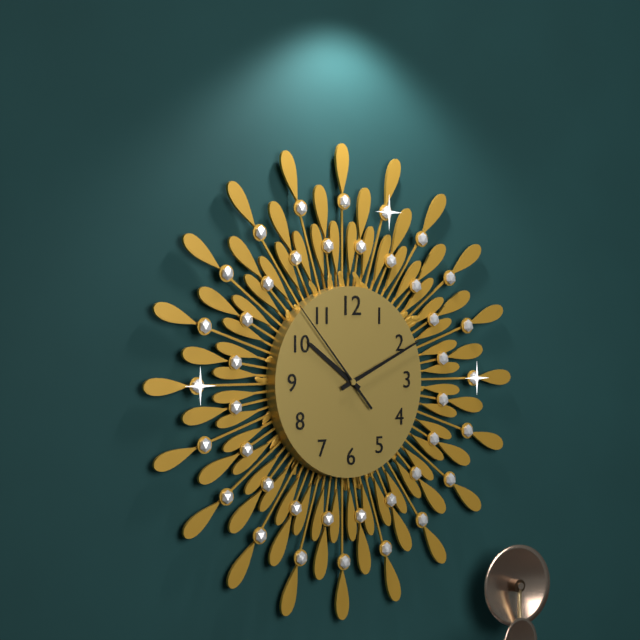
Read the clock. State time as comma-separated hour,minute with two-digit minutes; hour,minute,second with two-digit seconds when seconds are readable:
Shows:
10,11,53
